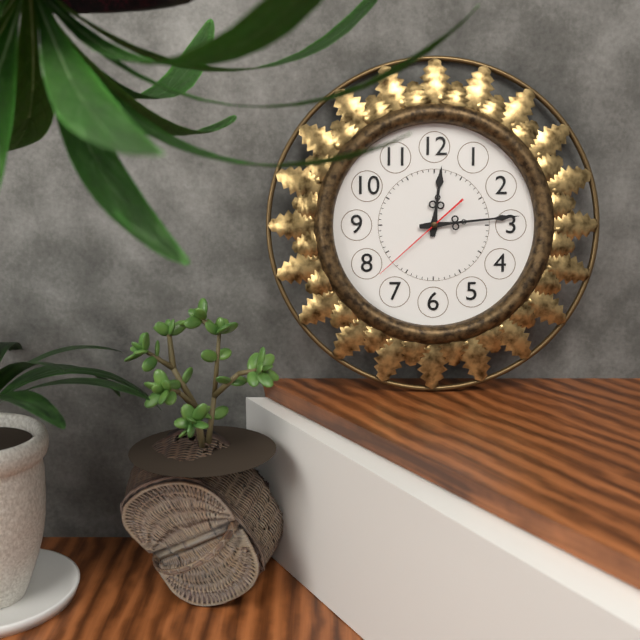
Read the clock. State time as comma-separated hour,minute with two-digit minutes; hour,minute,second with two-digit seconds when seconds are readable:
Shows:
12,14,38
